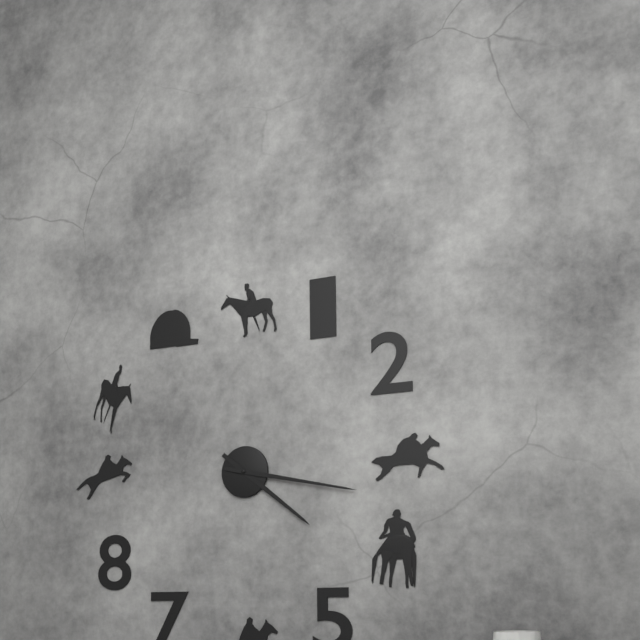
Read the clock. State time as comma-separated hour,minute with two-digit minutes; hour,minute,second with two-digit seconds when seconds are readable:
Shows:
4,17
